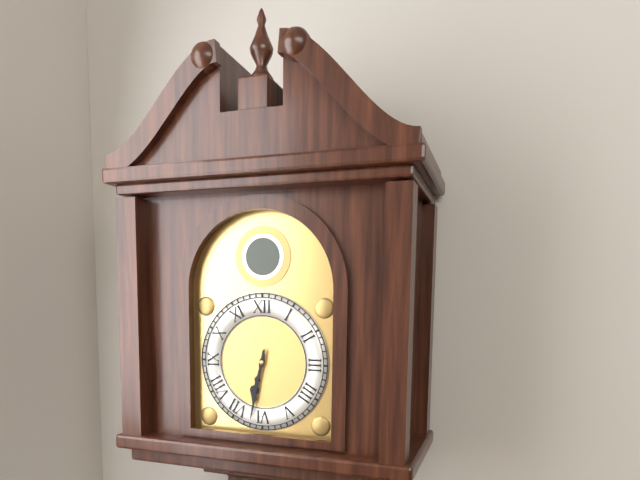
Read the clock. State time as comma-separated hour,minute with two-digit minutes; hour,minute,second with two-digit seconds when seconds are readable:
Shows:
6,32
